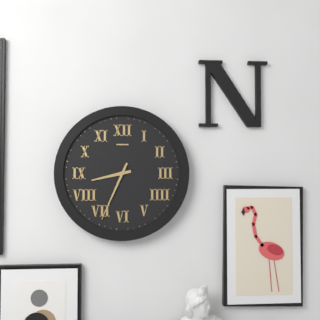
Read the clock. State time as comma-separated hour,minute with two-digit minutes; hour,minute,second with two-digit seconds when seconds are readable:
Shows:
8,34
